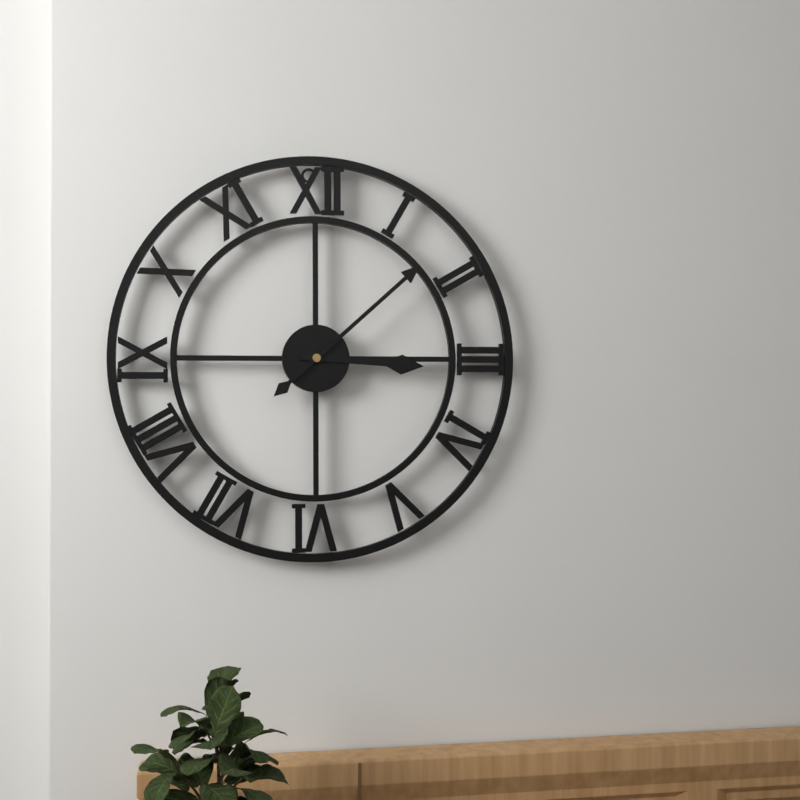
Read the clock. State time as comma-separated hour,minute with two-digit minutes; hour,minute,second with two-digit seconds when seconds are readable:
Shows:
3,08
